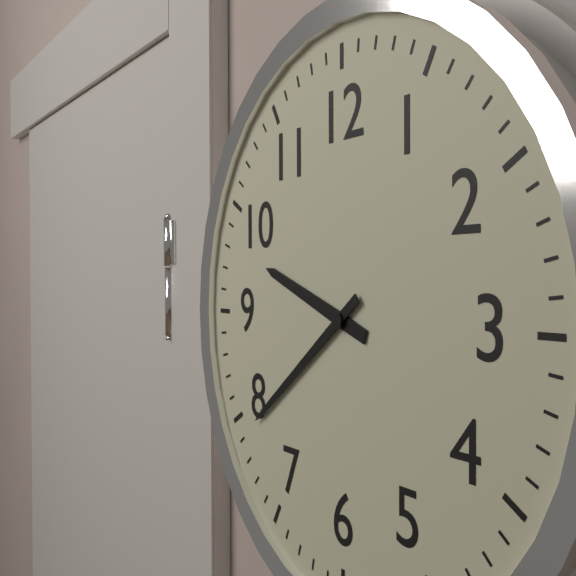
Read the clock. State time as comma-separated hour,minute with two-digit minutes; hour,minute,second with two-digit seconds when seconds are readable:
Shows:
9,39
